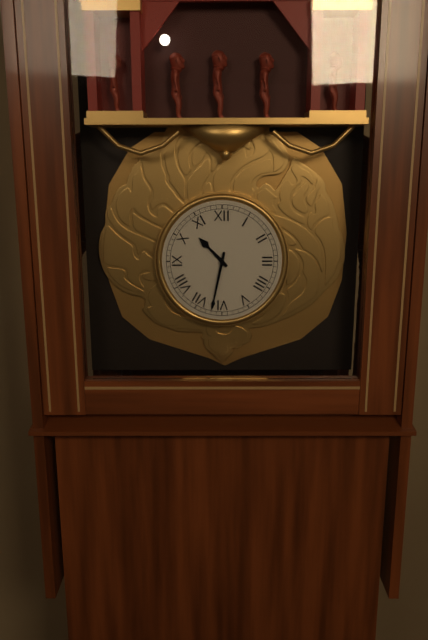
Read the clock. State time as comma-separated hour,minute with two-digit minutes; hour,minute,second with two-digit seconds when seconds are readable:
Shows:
10,32
